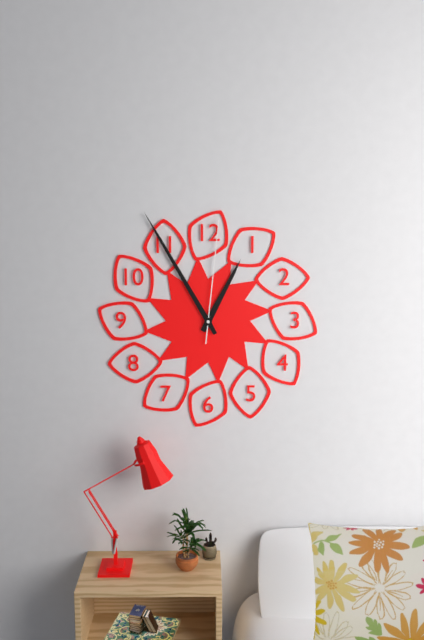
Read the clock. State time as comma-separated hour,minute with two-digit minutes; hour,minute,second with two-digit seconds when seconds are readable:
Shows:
12,55,01
